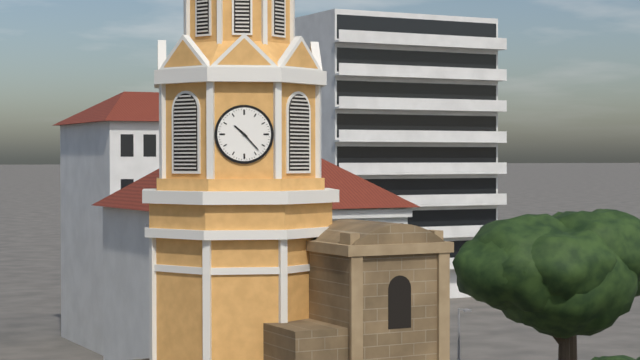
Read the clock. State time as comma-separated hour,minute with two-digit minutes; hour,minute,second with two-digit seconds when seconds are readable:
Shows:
10,23
